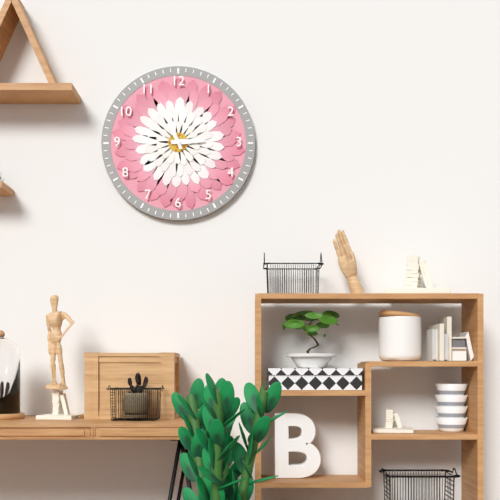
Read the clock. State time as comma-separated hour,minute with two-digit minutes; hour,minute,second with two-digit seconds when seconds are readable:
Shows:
2,56
